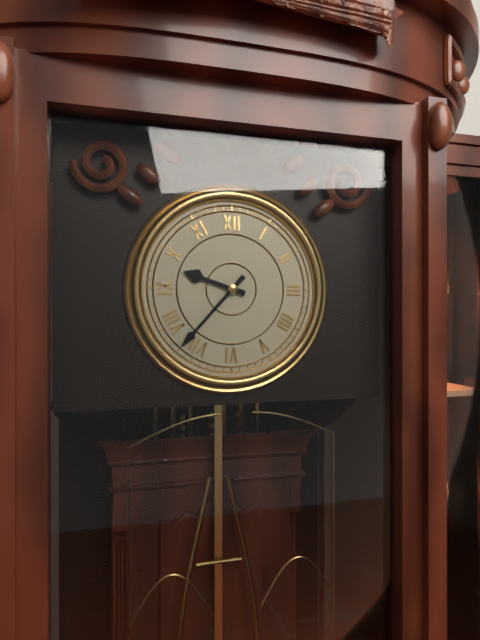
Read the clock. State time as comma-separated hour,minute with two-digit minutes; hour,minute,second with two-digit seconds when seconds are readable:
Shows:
9,37
